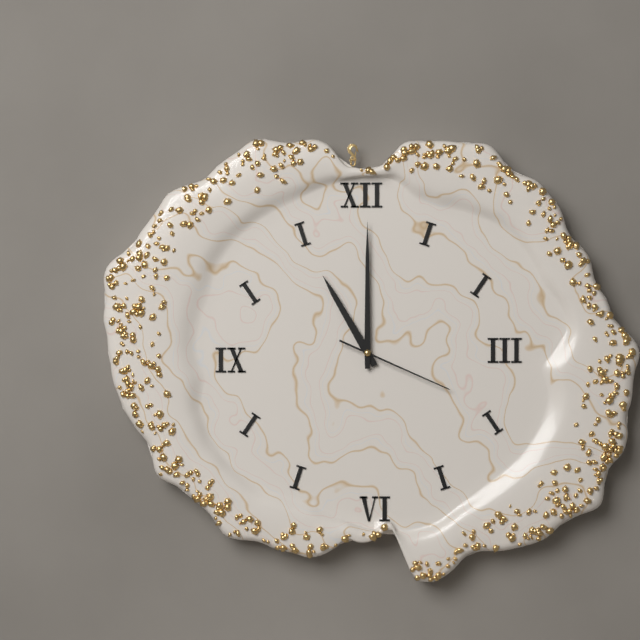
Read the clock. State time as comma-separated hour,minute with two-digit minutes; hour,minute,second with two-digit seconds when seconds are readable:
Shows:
11,00,19
